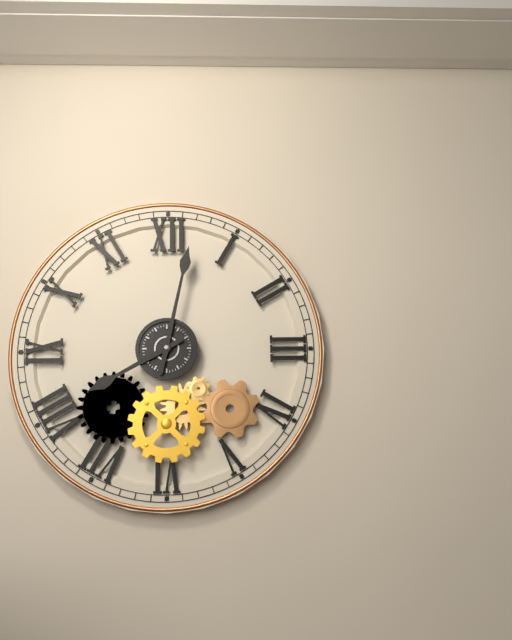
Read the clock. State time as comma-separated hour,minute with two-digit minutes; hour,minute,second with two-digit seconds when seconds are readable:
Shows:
8,02
